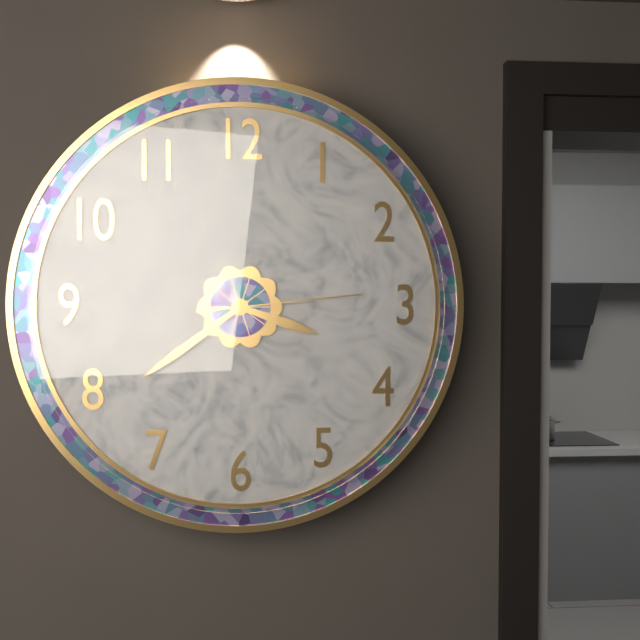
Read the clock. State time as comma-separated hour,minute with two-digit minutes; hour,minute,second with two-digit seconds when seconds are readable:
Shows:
3,39,14
